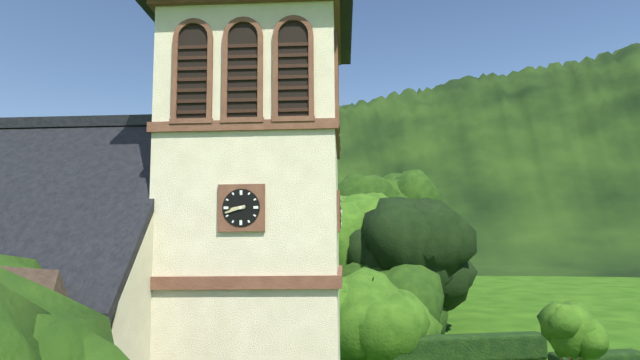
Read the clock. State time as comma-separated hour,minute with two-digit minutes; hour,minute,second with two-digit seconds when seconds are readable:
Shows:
8,42
